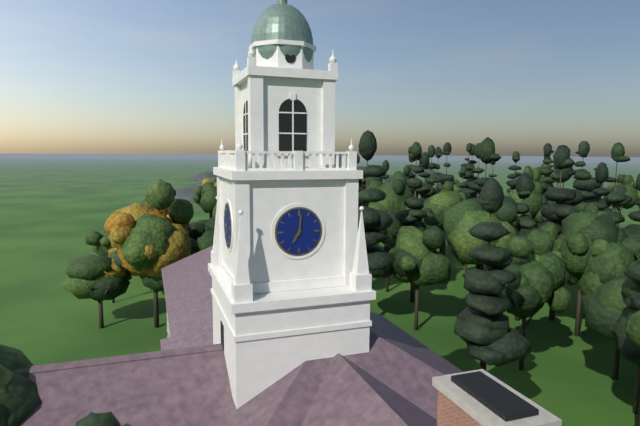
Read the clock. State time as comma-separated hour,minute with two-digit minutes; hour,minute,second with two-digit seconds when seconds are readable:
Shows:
7,01
